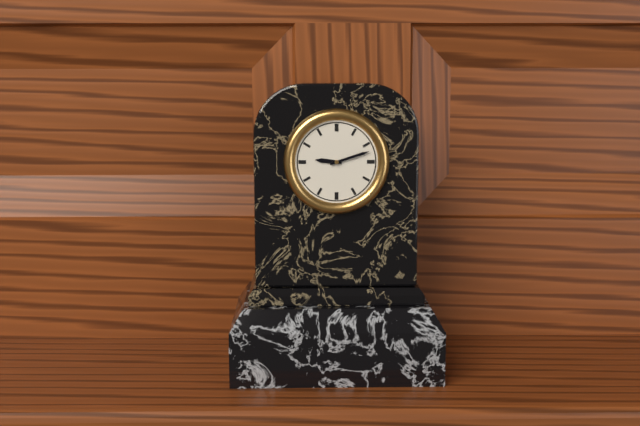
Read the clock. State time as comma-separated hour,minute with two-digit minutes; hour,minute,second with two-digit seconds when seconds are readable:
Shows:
9,12
